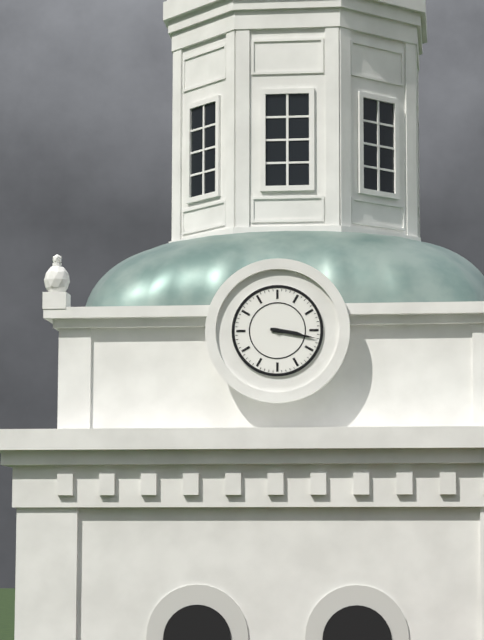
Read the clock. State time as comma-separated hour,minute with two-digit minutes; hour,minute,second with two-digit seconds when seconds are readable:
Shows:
3,17
